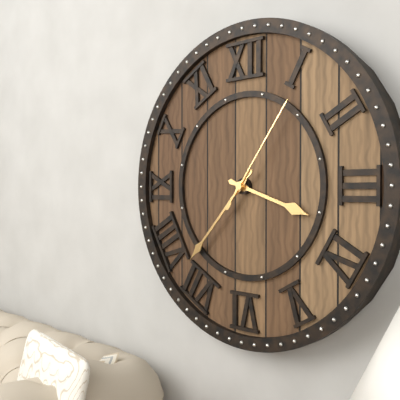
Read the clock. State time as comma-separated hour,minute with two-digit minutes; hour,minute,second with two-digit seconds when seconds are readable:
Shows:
3,37,06
